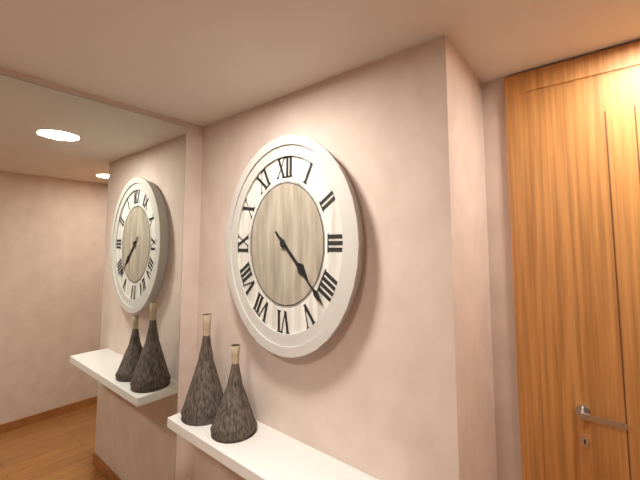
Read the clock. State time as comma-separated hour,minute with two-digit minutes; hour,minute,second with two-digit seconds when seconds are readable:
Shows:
4,22
